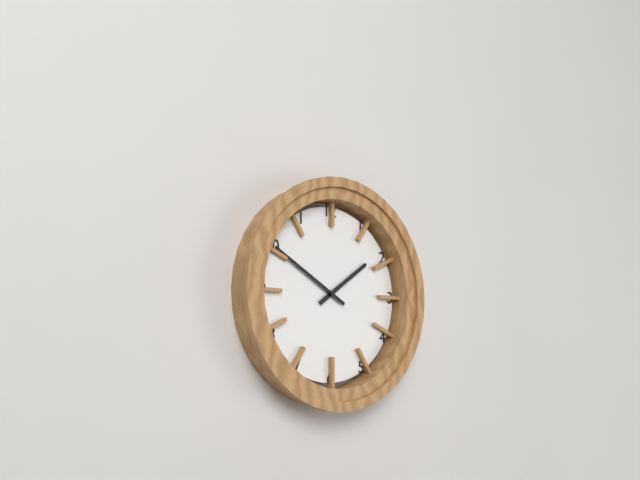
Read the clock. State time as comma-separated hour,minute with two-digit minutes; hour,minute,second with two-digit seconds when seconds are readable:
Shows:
1,50
